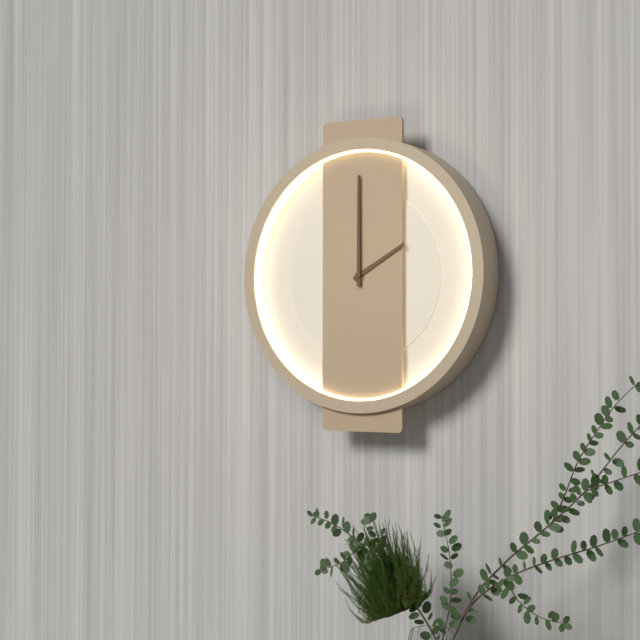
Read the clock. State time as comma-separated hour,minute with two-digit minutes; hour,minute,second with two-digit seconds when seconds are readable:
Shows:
2,00
